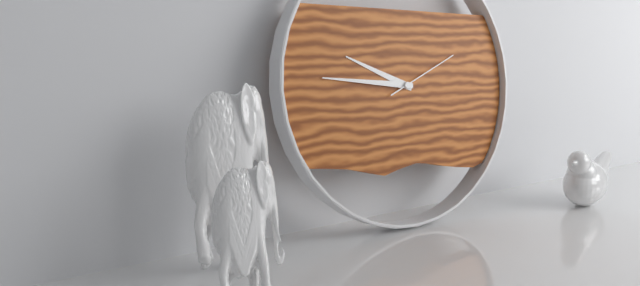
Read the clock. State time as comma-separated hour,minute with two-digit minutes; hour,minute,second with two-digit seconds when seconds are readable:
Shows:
9,46,11
